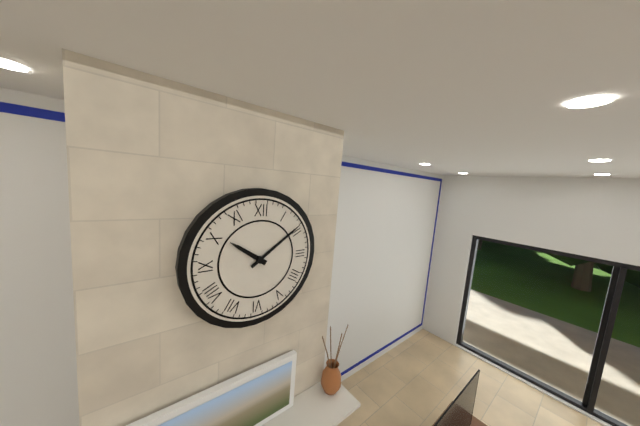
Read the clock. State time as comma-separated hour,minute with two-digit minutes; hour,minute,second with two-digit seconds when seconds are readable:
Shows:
10,09
